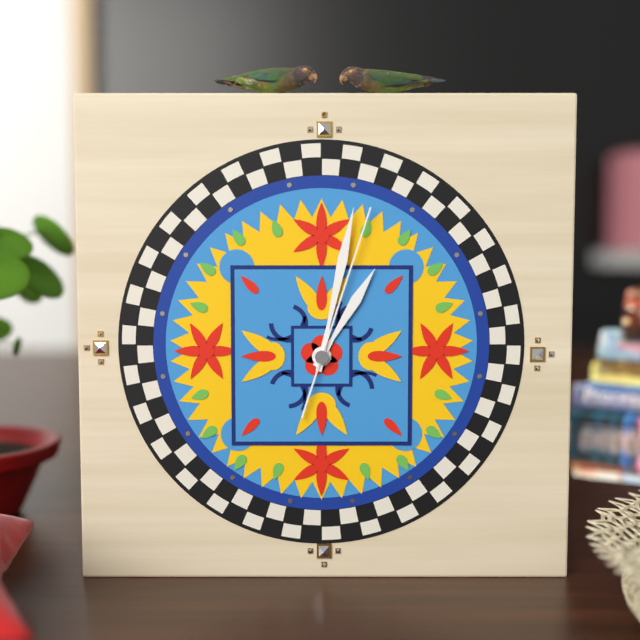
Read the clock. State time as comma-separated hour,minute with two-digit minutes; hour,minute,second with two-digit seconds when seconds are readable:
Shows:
1,02,03
